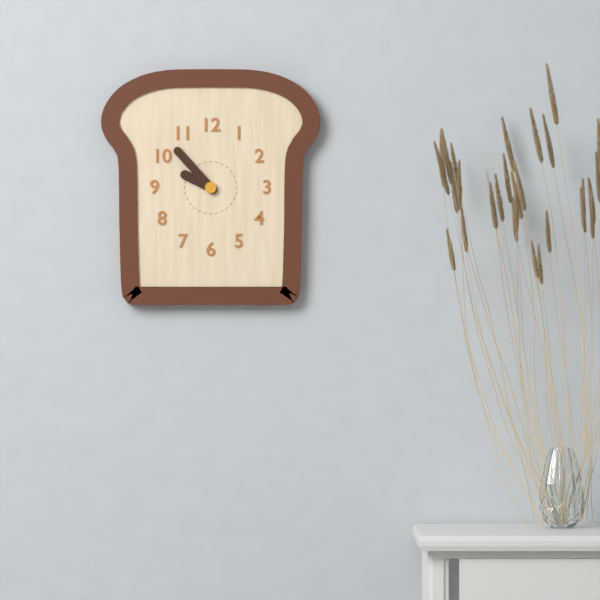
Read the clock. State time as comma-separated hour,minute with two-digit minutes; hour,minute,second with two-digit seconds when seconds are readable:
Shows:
9,53
